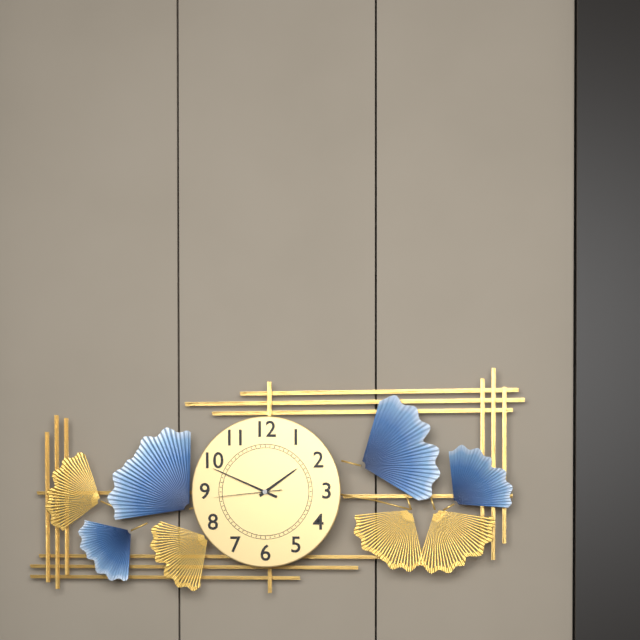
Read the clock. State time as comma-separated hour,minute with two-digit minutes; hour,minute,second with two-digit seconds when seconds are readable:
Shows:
1,49,44
